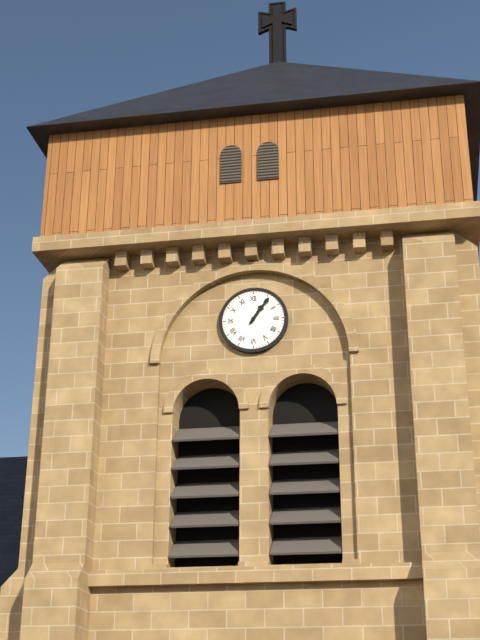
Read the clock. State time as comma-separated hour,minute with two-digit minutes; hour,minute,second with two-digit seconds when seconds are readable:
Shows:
1,06
